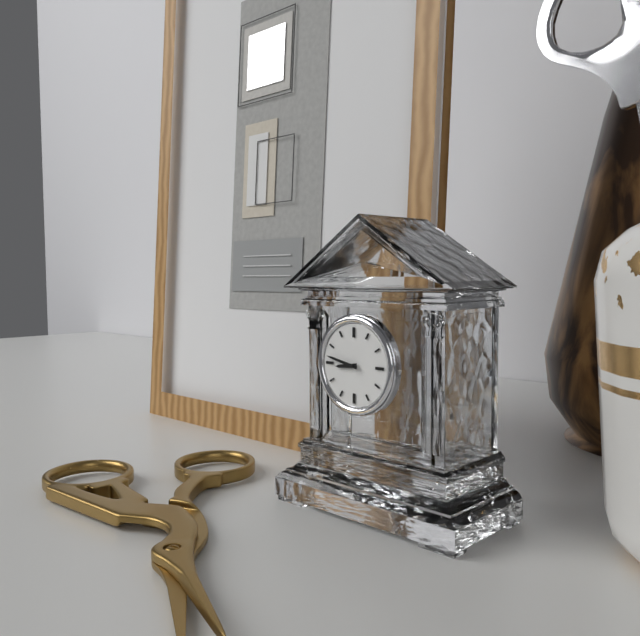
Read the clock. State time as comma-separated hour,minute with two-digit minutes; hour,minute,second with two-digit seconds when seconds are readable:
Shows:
8,47
